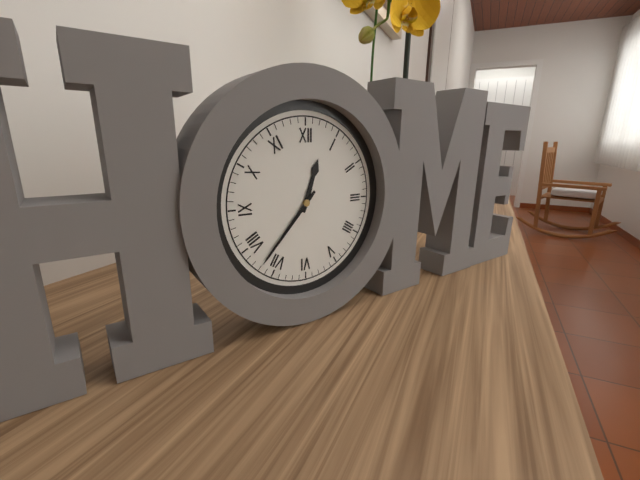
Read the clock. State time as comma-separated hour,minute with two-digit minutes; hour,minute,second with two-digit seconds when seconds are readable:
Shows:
12,37
